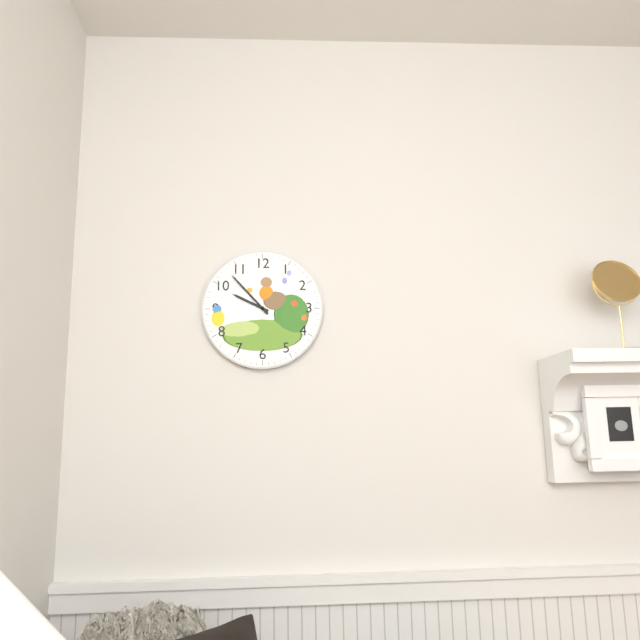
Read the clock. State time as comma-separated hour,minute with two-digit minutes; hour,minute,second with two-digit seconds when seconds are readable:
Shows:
9,53
